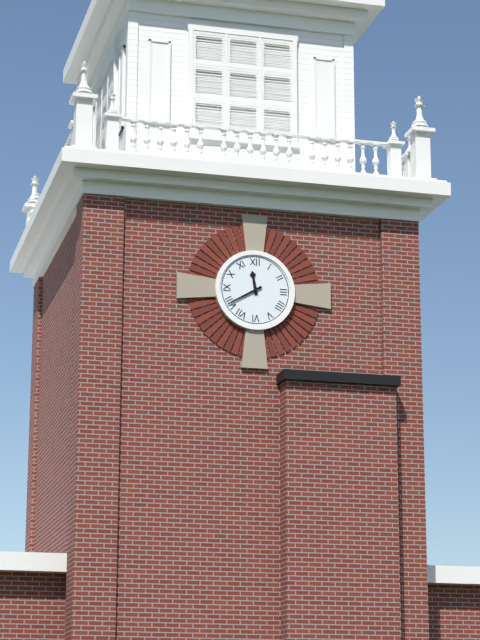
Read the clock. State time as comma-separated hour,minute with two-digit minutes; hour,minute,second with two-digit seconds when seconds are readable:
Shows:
11,40
